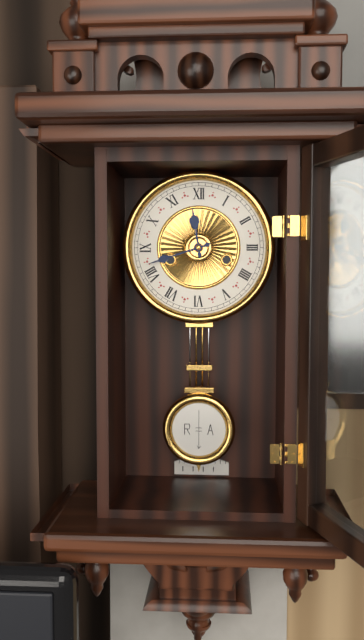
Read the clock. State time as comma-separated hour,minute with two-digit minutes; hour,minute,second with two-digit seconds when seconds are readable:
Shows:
11,42
